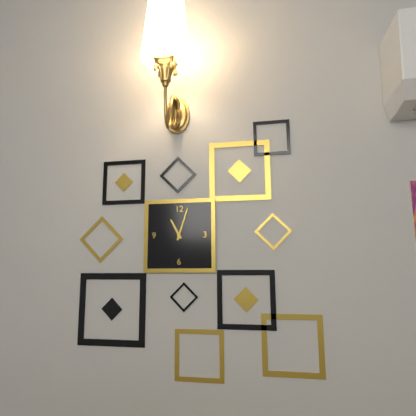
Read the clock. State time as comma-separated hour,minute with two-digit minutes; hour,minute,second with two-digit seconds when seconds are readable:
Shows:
11,03
